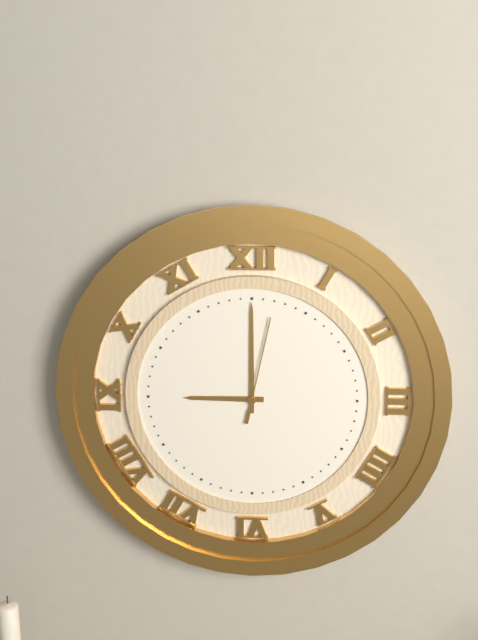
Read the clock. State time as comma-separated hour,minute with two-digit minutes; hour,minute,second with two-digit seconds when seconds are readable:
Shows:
9,00,02
